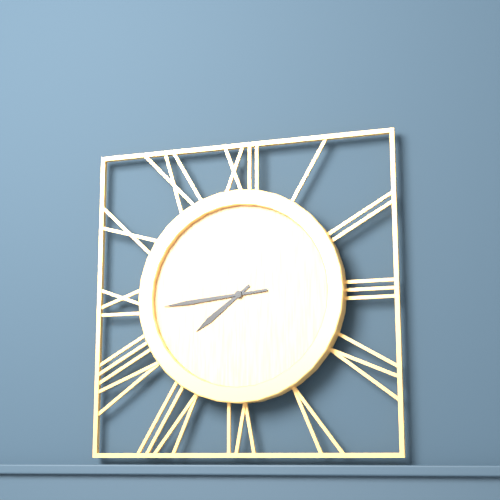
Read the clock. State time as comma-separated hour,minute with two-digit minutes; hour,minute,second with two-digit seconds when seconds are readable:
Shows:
7,44
